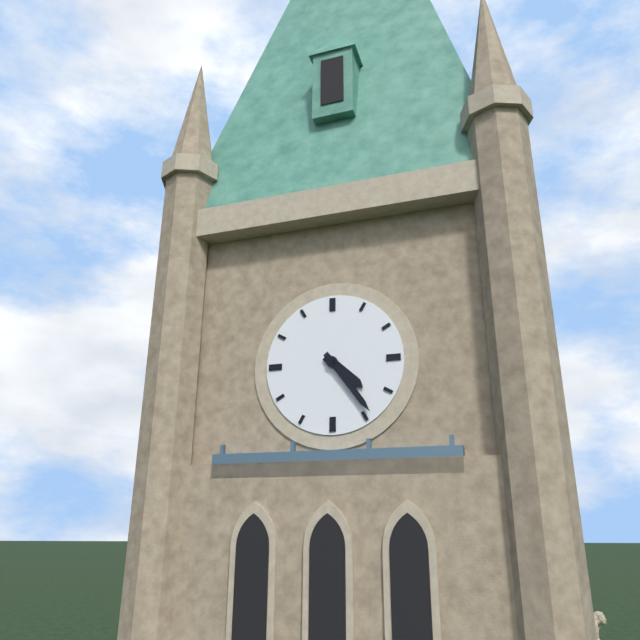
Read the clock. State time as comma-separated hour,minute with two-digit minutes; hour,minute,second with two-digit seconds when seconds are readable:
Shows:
4,24
